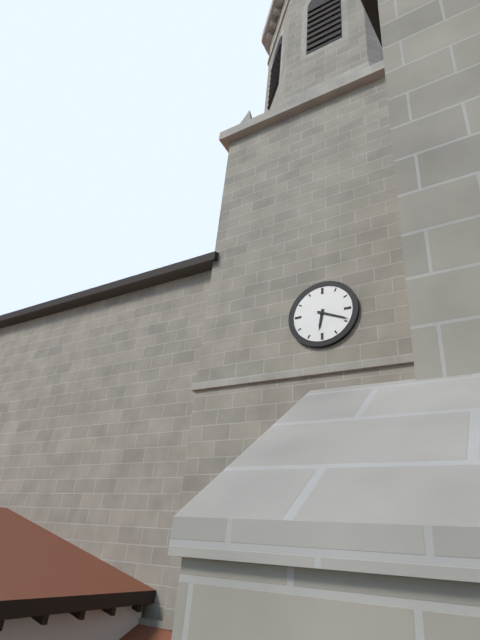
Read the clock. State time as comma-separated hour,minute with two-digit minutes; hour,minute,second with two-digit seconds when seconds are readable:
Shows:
6,19
